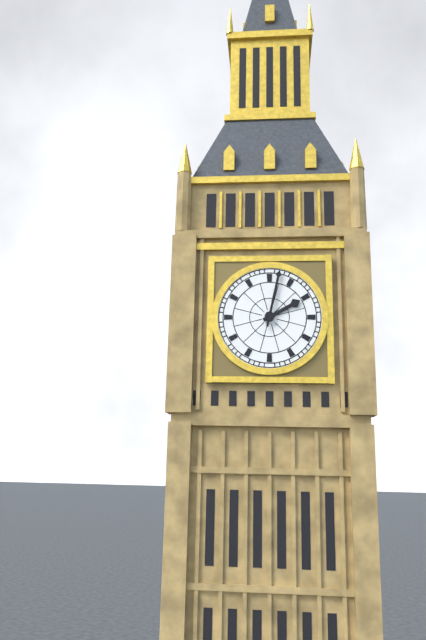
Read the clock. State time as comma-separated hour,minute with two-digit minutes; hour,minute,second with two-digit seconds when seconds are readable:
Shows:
2,02
